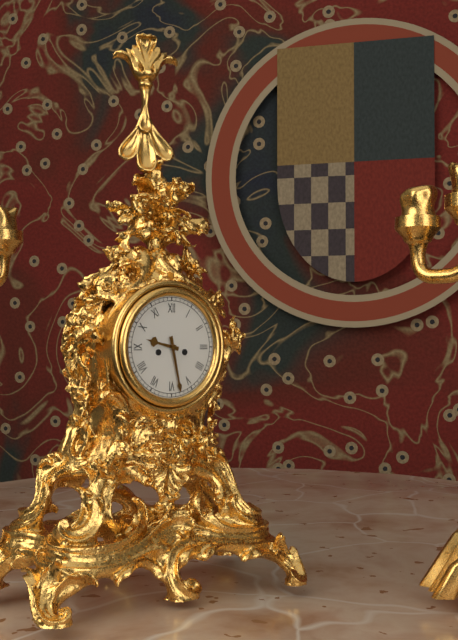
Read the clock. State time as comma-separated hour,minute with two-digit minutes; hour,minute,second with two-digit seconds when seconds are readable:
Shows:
9,28
